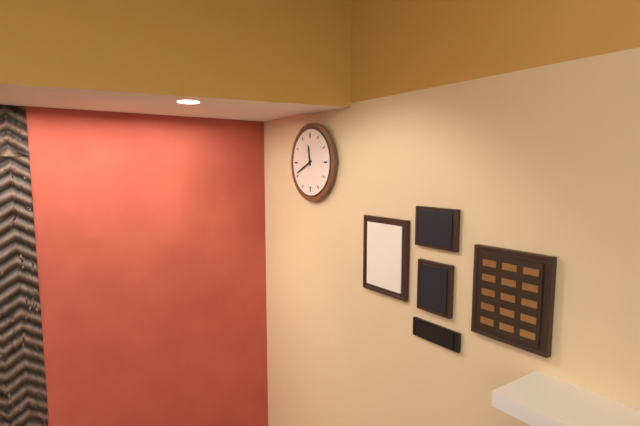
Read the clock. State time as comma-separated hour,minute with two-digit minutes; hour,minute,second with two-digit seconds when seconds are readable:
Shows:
11,41
